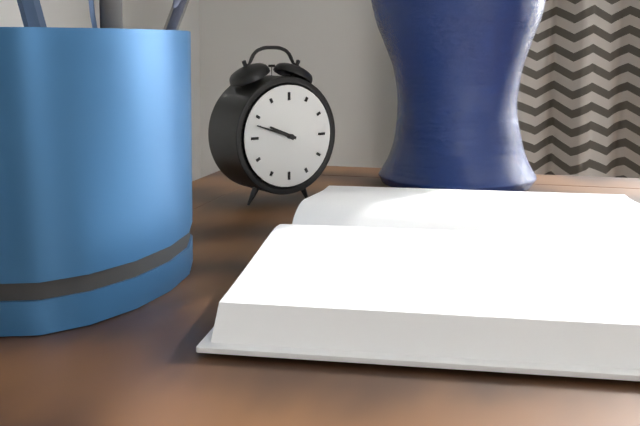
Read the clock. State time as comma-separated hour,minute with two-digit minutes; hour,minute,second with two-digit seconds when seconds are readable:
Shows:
9,48
